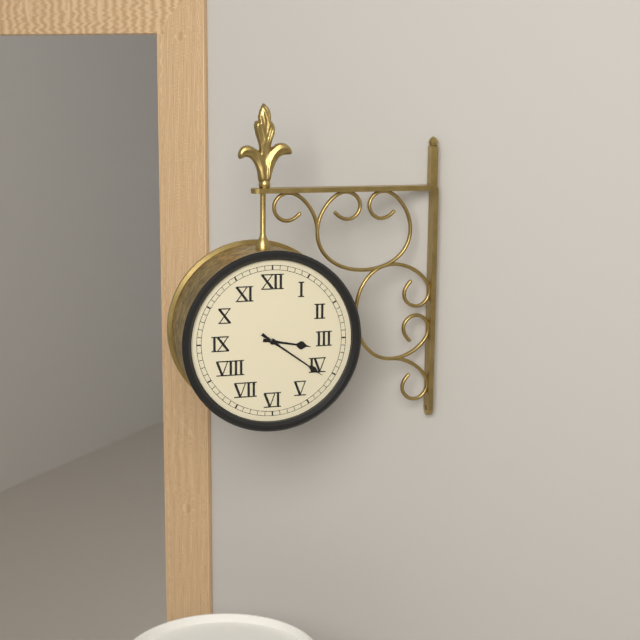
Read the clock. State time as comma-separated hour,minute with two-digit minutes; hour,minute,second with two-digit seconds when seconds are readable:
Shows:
3,21
